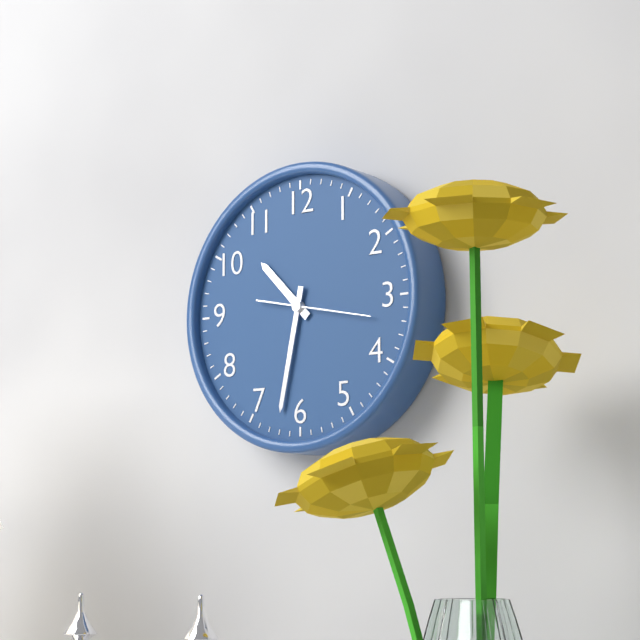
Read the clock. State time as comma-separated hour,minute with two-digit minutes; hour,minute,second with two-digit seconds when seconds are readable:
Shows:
10,32,17
